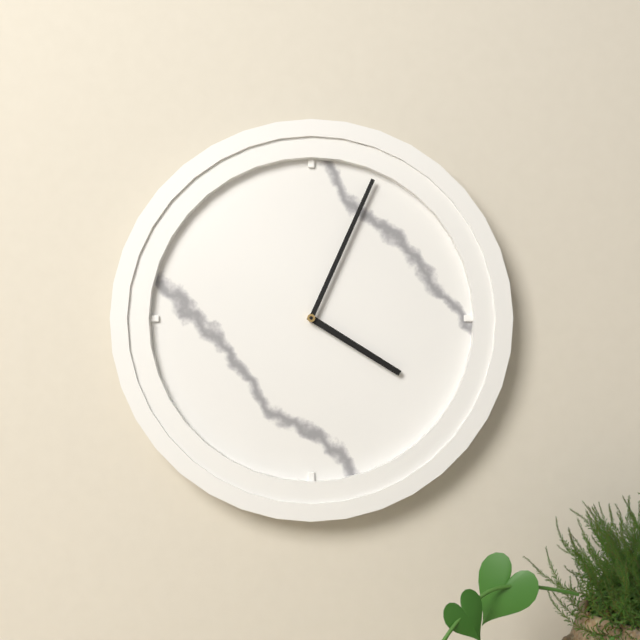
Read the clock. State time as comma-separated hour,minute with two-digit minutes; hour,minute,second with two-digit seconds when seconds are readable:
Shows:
4,04
